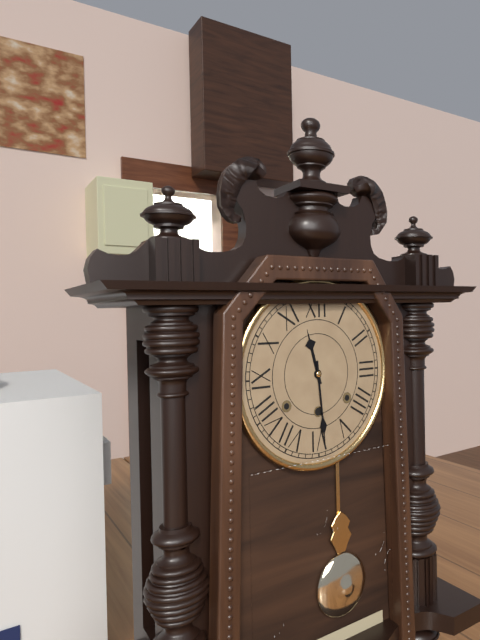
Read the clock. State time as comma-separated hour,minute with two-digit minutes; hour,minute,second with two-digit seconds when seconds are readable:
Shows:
11,29
